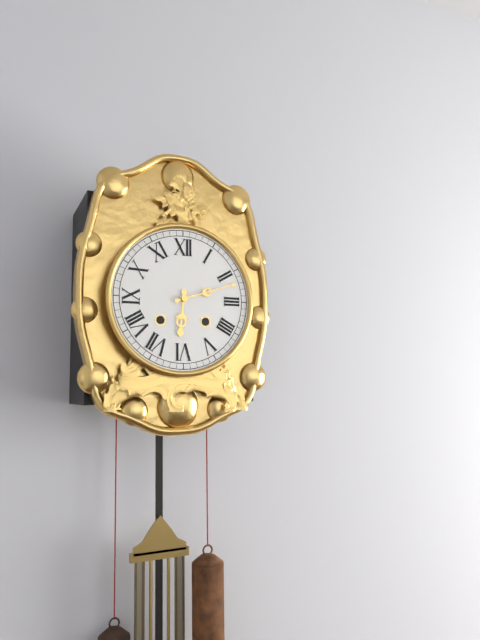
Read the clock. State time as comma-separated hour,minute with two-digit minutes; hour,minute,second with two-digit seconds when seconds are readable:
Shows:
6,12
